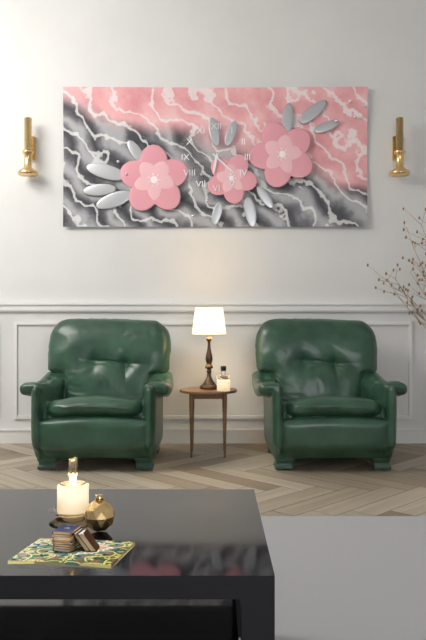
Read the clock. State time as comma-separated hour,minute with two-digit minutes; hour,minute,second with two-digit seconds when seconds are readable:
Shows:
6,22
